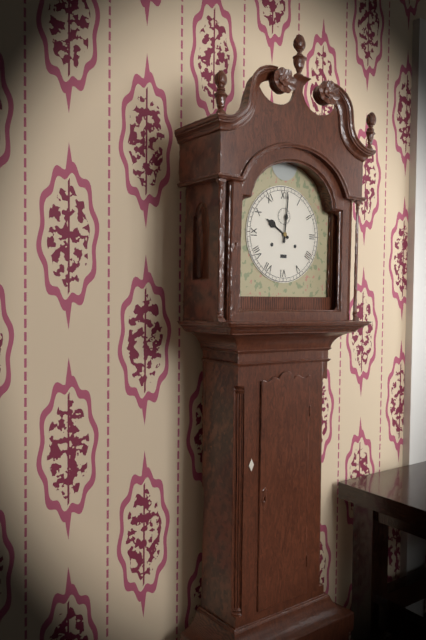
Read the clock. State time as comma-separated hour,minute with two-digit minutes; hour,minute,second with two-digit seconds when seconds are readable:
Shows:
10,01
